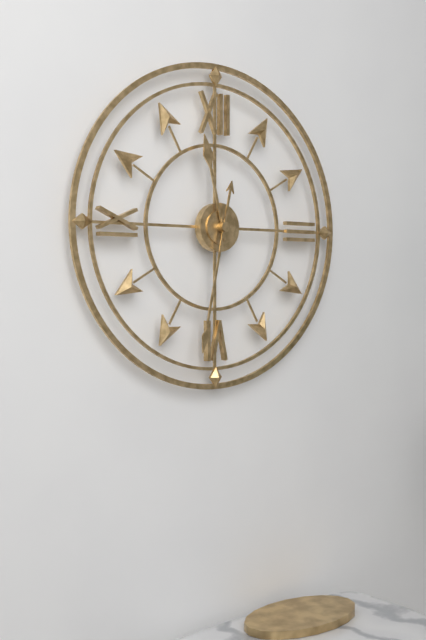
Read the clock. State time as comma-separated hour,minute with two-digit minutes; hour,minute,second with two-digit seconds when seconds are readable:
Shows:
11,32
